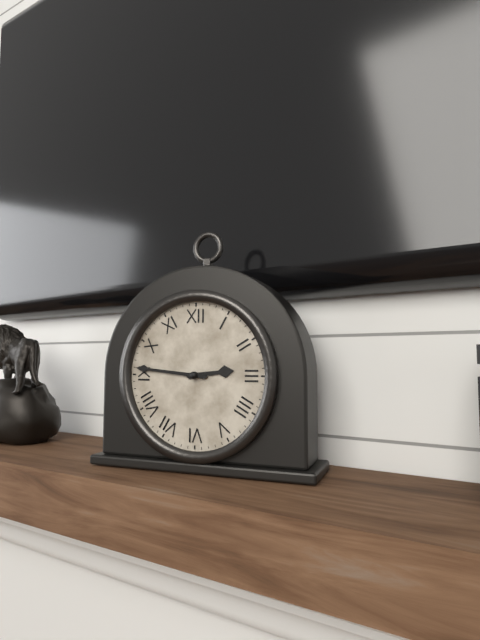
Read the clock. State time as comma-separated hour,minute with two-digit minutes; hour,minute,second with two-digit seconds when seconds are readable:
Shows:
2,46
